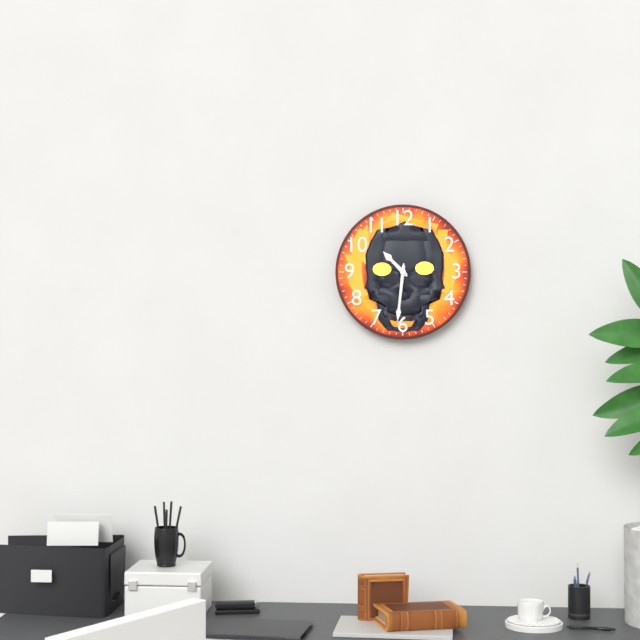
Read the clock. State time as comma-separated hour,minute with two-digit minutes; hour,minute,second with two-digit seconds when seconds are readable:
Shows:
10,31
